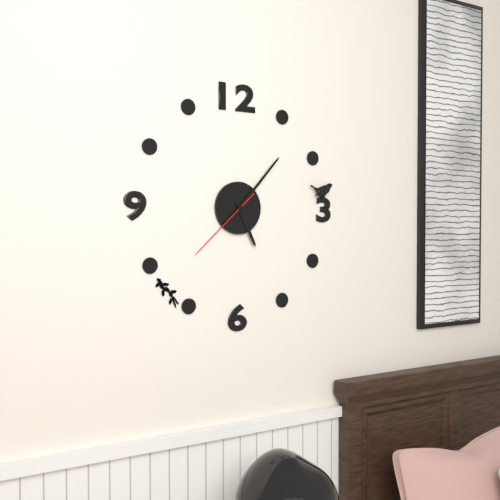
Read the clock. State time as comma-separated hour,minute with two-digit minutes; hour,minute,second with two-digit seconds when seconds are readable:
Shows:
5,07,38
